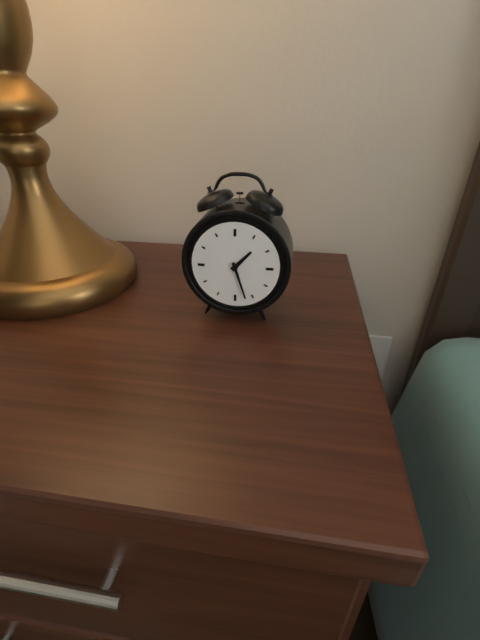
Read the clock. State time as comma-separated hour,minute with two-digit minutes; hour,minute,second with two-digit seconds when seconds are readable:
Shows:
1,27
